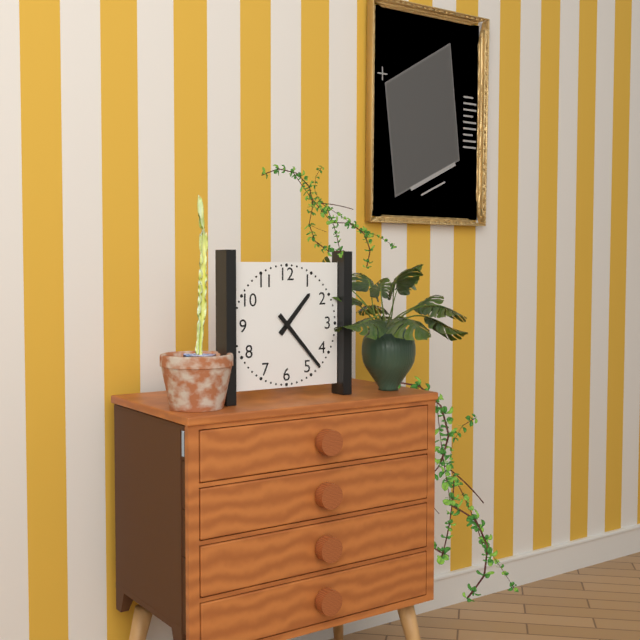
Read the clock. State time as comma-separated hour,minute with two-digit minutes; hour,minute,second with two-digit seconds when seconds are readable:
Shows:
1,23
